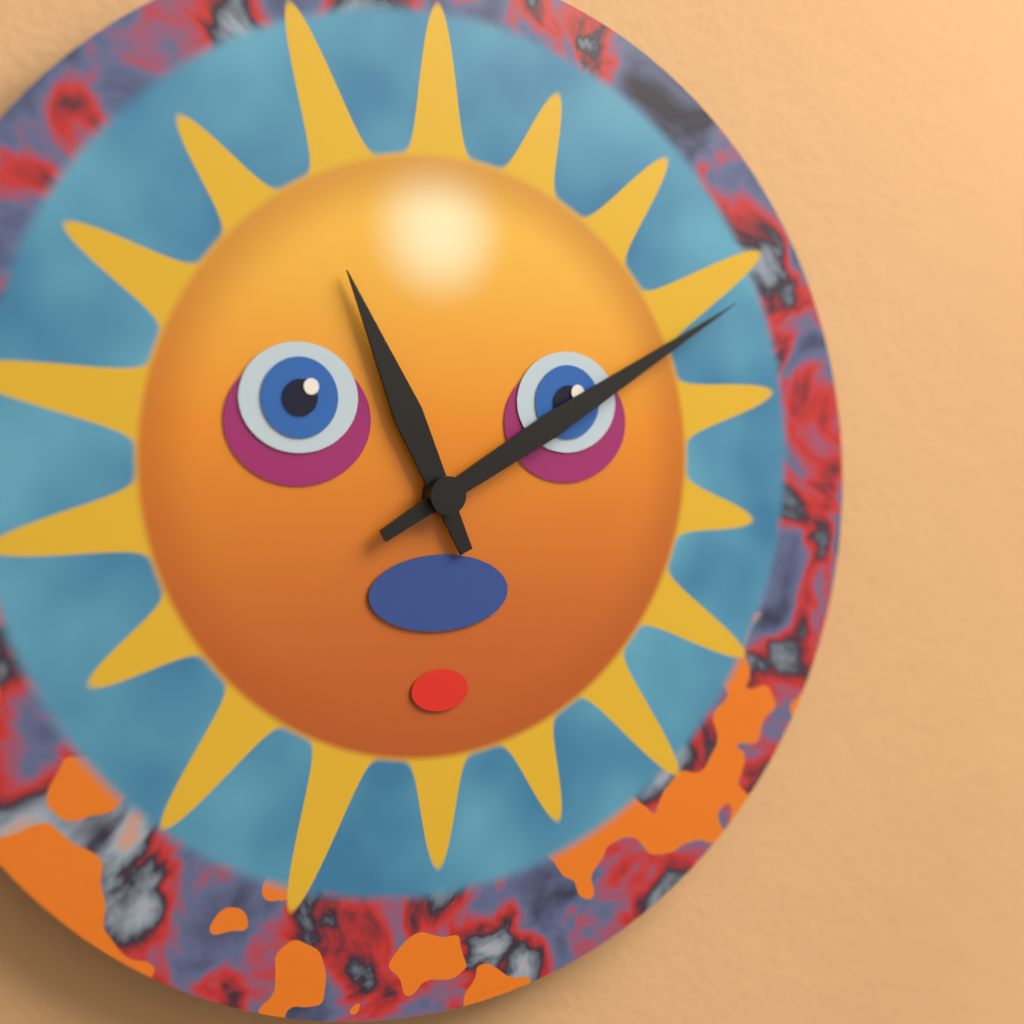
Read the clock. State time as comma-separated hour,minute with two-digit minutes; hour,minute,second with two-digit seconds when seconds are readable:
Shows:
11,10
